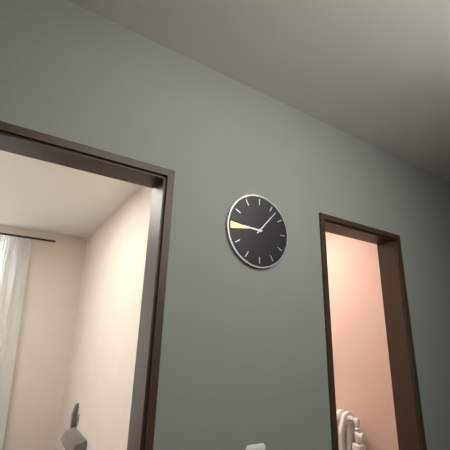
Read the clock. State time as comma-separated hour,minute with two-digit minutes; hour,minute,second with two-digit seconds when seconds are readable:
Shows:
9,07
